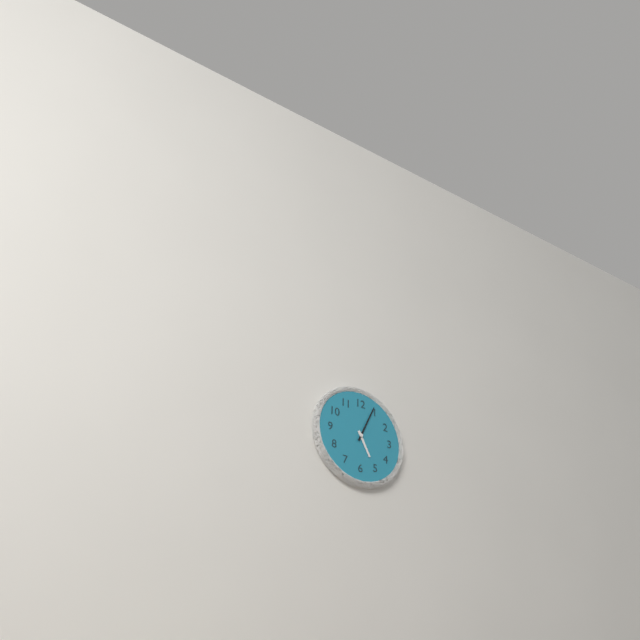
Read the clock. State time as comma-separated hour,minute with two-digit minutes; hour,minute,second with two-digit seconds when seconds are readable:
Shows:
5,04
